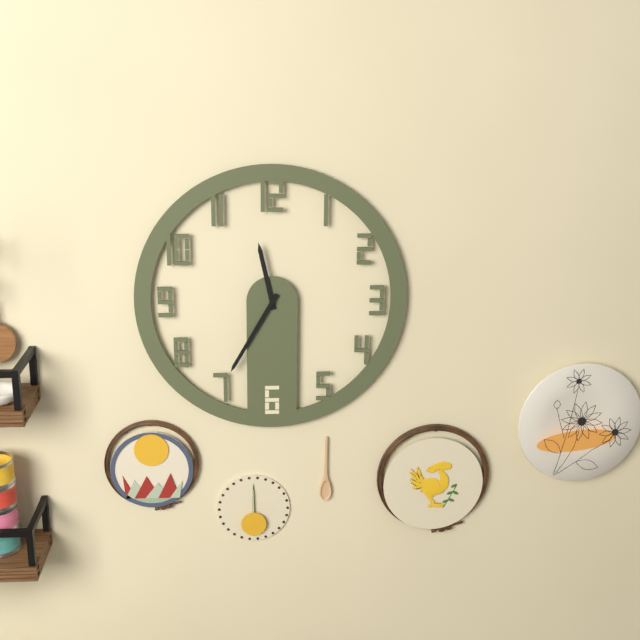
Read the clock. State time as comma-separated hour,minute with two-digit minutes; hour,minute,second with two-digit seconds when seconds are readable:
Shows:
11,35
